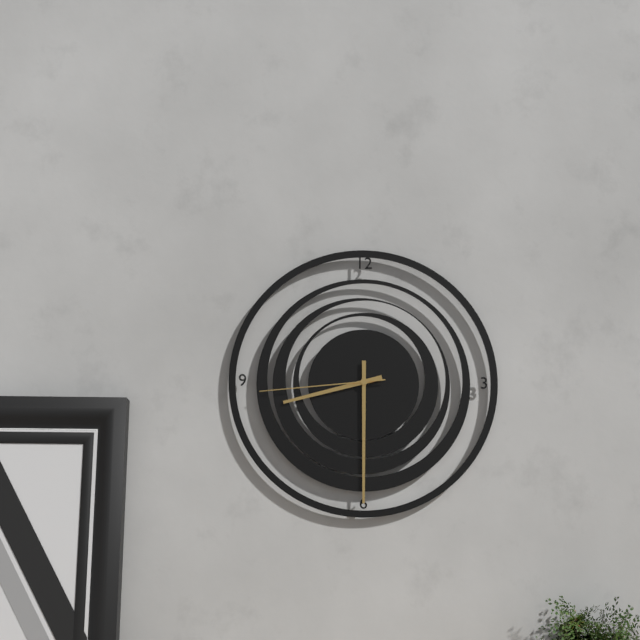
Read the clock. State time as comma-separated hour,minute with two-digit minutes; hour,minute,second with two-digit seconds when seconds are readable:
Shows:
8,30,44
